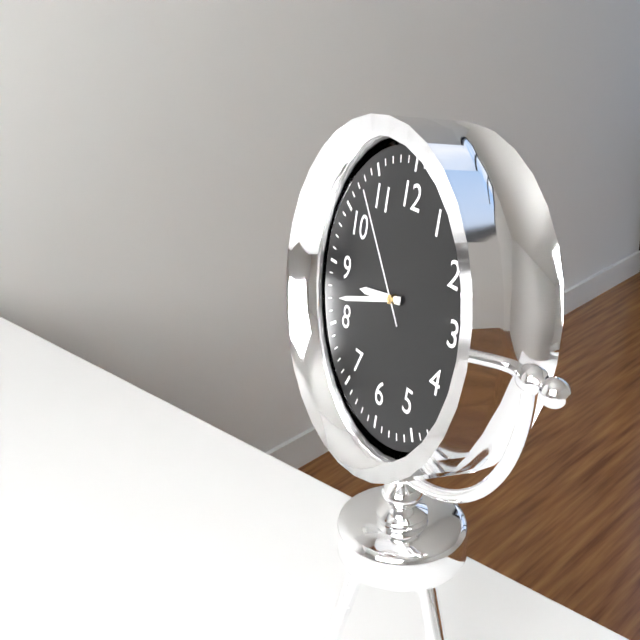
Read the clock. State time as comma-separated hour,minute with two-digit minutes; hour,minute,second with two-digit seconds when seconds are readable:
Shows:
8,42,53
